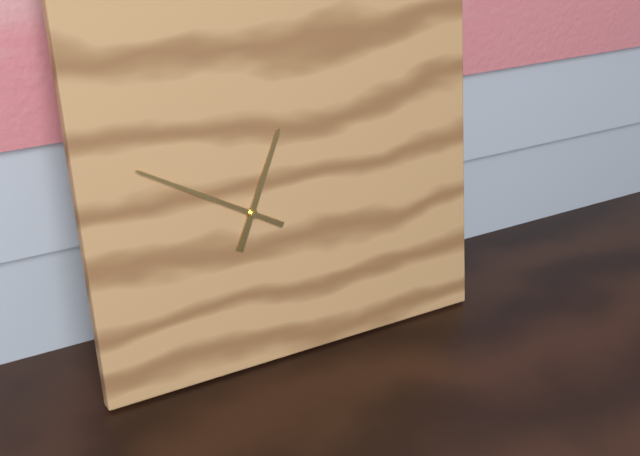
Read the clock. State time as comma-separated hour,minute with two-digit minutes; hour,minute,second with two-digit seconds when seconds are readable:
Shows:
12,50
